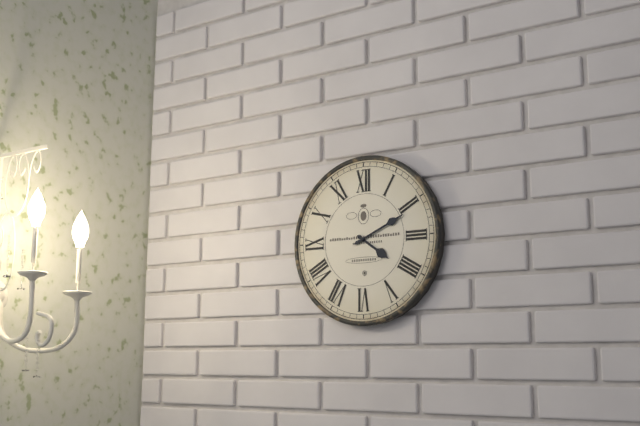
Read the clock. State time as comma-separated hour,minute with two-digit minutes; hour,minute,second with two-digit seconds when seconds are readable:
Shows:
4,11
